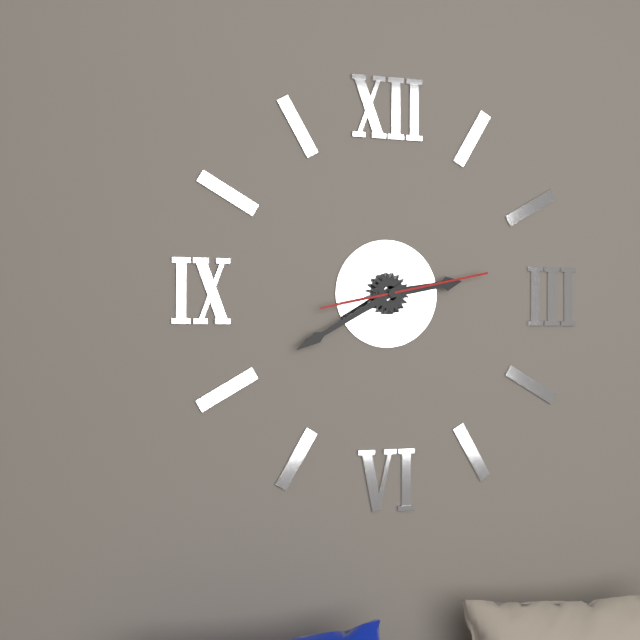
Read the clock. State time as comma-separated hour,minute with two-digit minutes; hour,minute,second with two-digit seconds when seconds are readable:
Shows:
2,40,13
